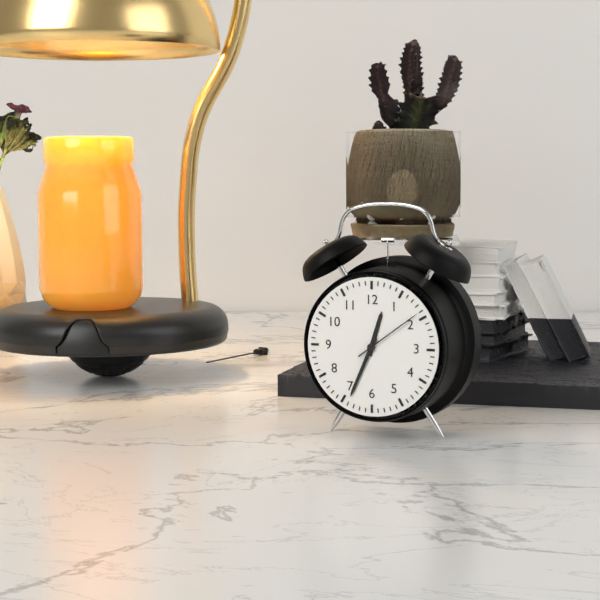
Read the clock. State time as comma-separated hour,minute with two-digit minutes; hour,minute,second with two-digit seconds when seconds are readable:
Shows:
12,34,09
